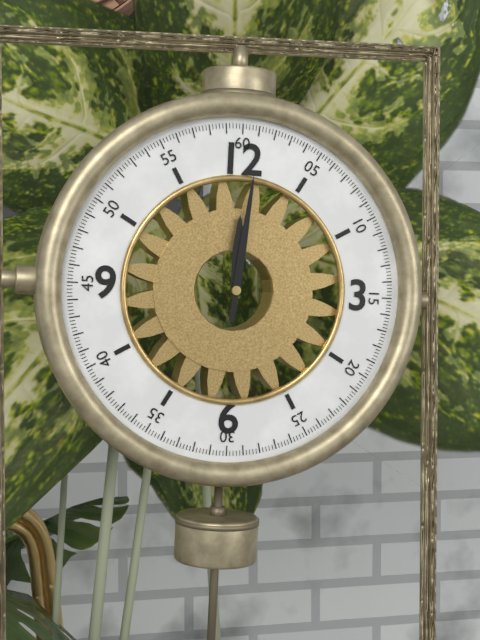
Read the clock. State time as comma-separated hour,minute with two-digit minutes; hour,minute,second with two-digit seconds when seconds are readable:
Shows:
12,01
